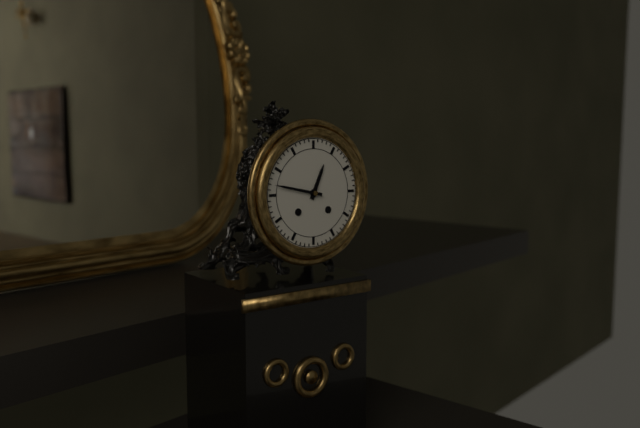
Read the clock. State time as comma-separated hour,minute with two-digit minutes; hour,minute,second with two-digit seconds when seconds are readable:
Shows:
12,47
